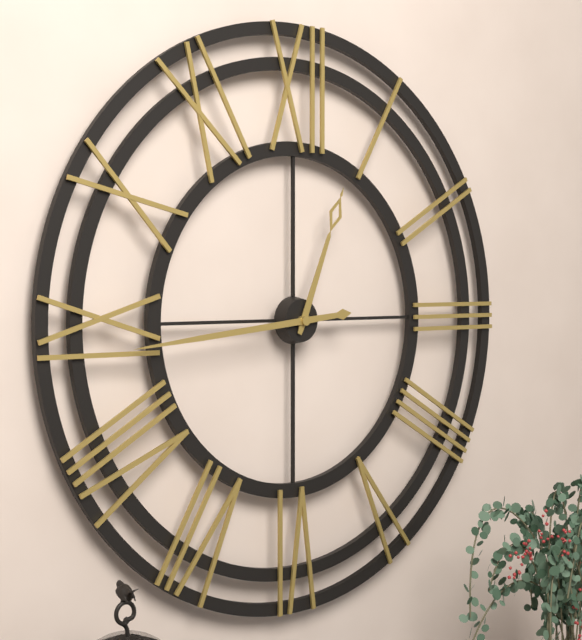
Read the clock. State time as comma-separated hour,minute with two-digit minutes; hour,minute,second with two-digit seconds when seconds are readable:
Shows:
12,44
